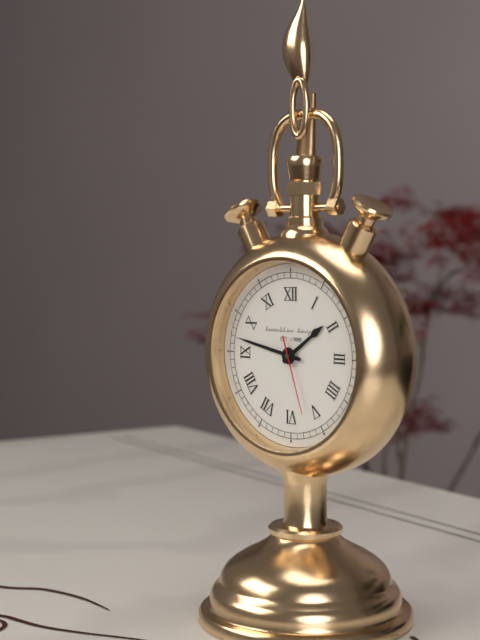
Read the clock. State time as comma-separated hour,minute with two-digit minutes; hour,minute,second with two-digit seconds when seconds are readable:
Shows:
1,47,27
